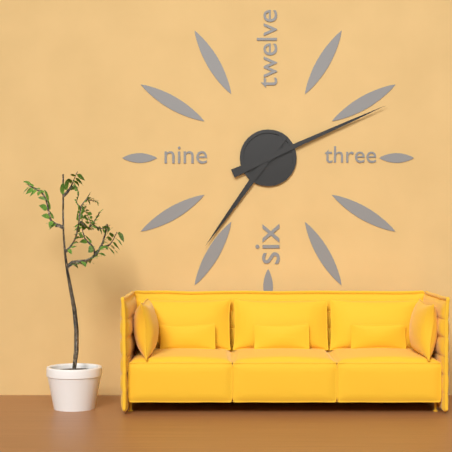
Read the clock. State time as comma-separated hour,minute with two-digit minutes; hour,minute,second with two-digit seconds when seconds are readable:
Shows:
7,11
